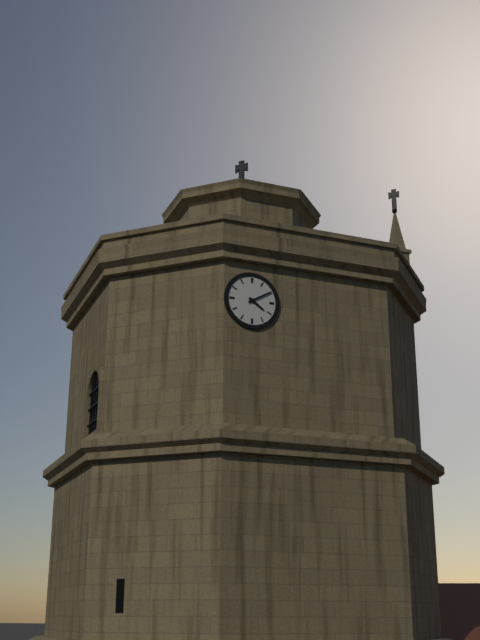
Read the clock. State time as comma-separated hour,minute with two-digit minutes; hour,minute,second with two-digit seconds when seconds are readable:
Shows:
4,10
